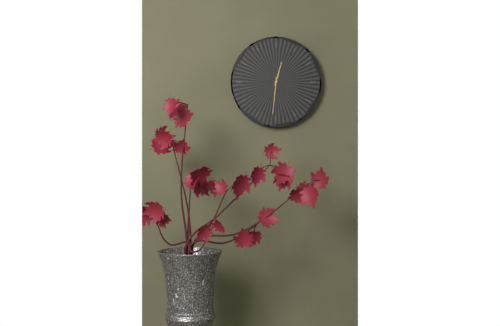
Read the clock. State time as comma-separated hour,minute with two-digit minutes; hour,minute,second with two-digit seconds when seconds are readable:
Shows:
12,31
